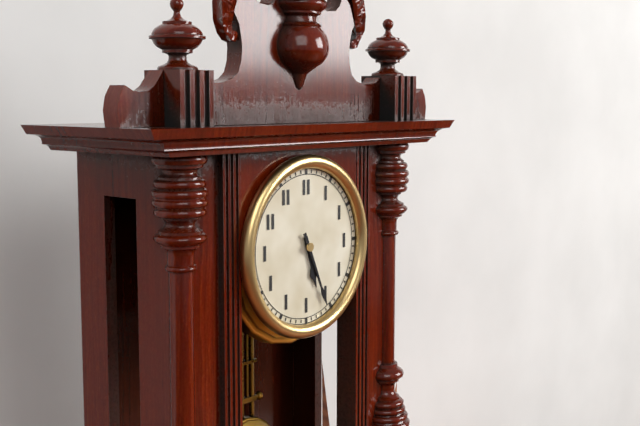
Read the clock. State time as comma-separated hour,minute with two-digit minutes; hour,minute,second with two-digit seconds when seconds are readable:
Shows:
5,26
